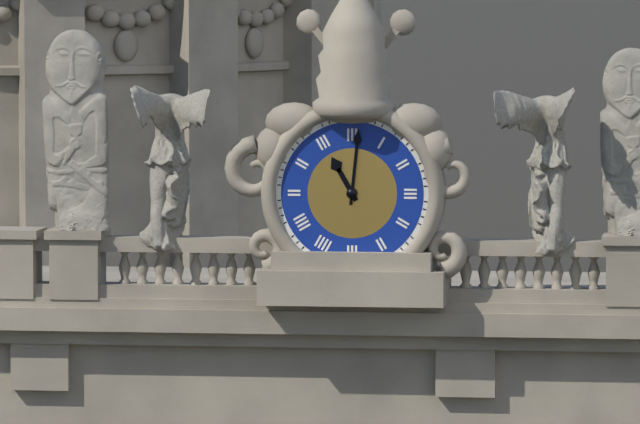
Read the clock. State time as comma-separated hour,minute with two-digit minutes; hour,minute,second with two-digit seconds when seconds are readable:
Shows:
11,01
